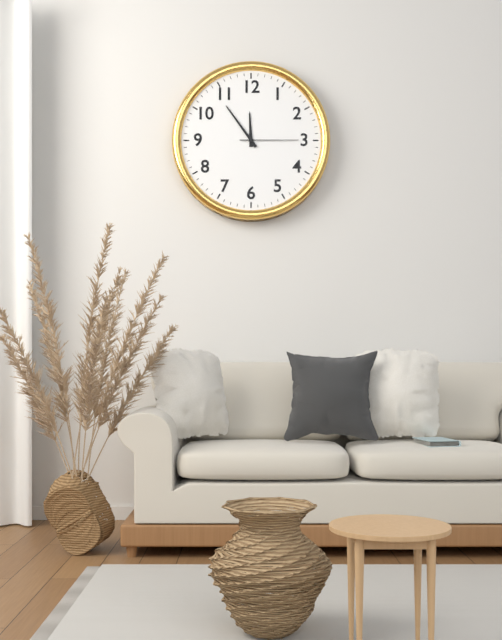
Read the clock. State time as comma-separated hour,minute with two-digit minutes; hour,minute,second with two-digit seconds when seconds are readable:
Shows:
11,54,15
